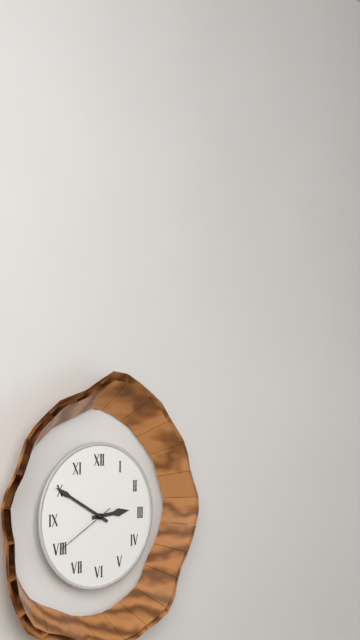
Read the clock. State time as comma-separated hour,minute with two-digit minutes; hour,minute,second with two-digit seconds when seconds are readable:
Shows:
2,50,40
